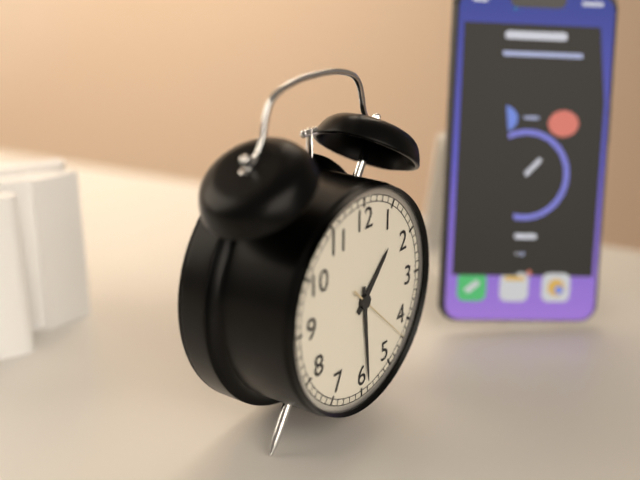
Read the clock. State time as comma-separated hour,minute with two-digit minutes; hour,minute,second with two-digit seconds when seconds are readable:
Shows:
1,29,22
